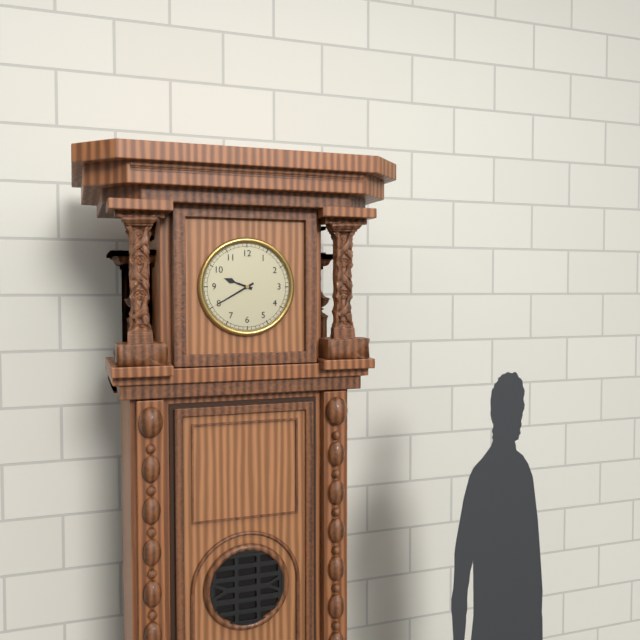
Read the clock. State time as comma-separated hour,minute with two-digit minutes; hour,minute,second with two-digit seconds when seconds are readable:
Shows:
9,40
